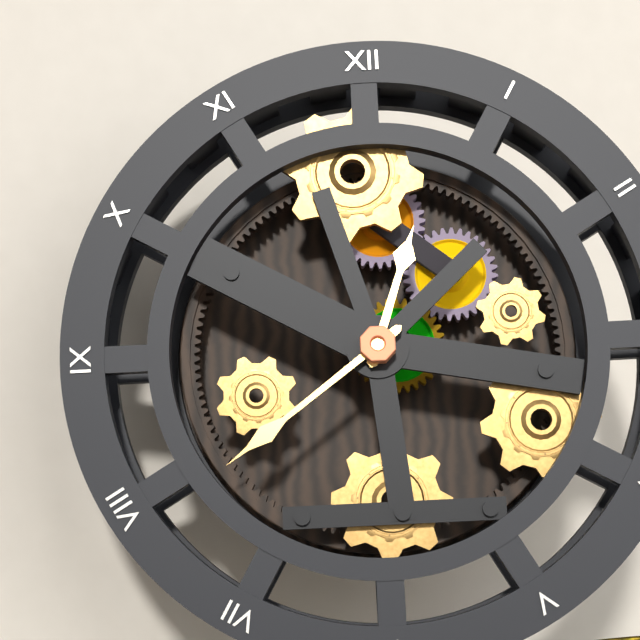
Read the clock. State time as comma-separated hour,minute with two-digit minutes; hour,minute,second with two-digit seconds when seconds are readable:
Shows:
12,39
